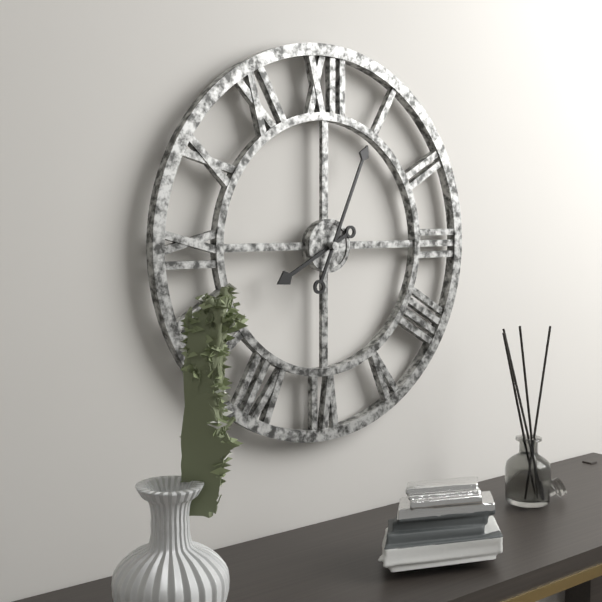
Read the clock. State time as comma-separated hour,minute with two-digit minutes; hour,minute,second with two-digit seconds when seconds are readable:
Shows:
8,04
